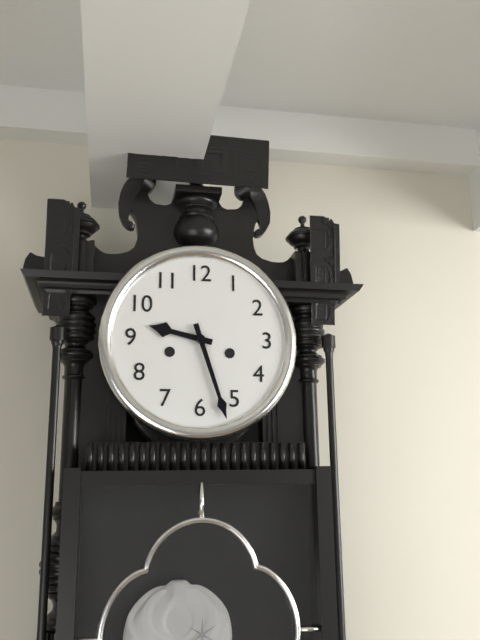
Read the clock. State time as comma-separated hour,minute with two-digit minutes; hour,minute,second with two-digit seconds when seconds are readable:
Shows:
9,27
